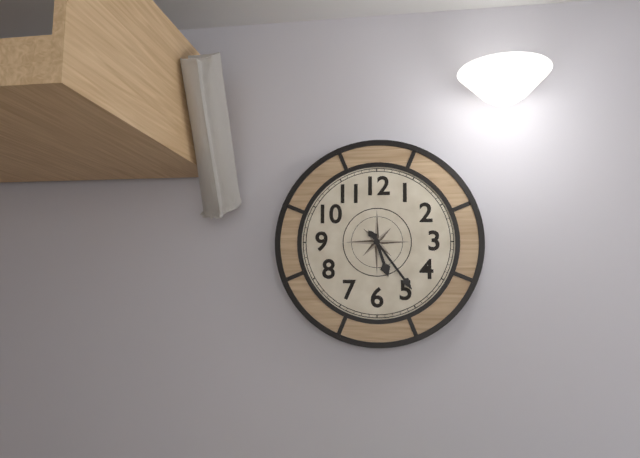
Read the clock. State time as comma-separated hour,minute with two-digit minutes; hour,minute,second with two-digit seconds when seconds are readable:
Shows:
5,24
